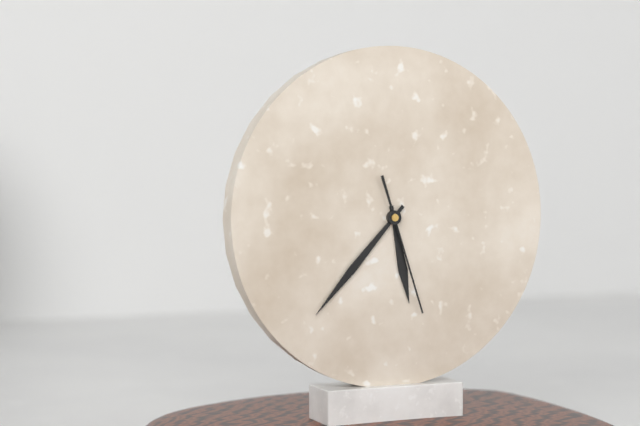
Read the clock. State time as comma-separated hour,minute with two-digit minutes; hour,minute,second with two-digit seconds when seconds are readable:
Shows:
5,37,27
